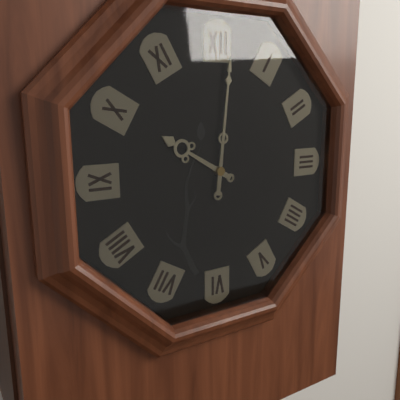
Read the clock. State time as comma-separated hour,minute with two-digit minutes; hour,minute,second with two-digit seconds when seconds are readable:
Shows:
10,01
